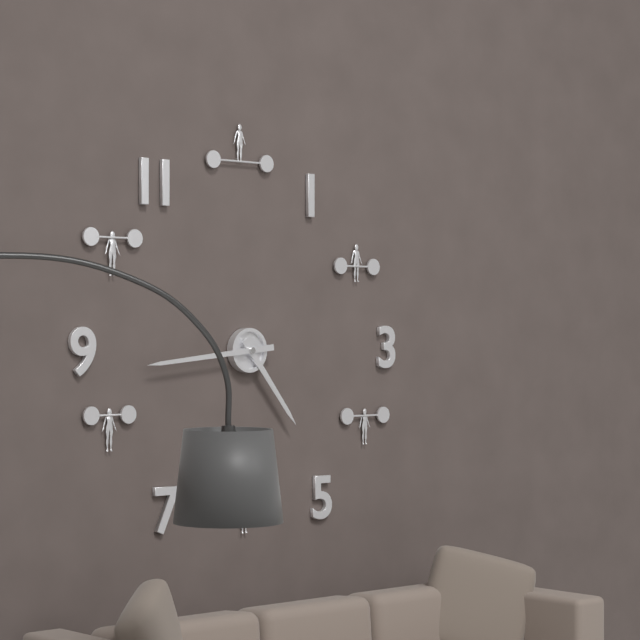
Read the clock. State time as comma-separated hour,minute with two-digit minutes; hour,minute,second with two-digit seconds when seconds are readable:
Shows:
4,44
